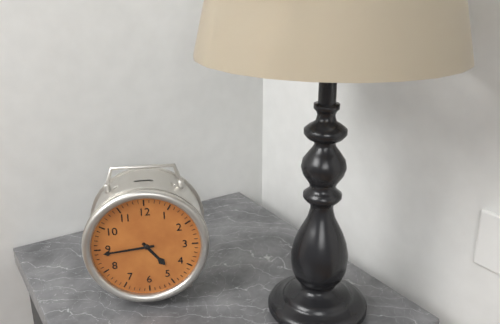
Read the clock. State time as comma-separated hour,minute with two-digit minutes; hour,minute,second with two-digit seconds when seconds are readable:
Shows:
4,44
